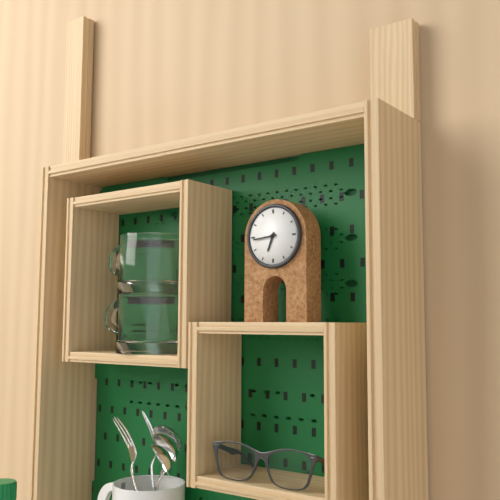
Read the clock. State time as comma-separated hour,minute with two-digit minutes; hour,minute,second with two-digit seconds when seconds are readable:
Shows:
6,44
